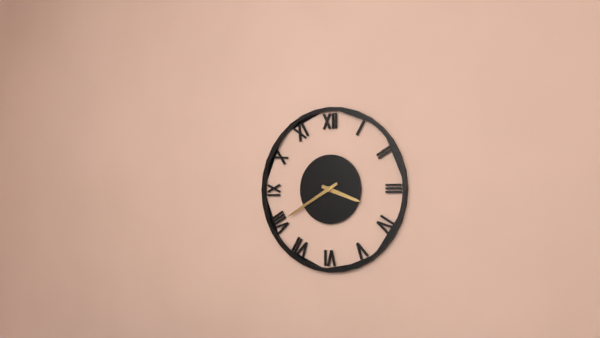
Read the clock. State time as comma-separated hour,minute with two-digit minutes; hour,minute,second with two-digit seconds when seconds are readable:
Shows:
3,40
